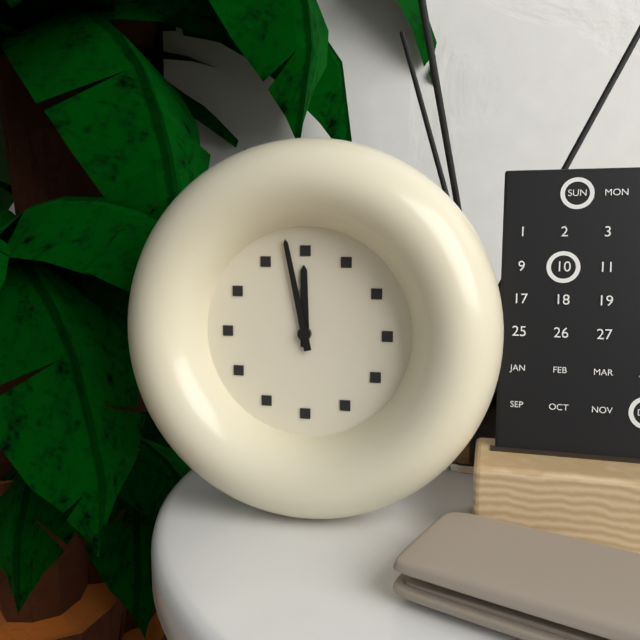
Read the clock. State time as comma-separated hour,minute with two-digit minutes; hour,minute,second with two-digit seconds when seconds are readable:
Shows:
11,58
